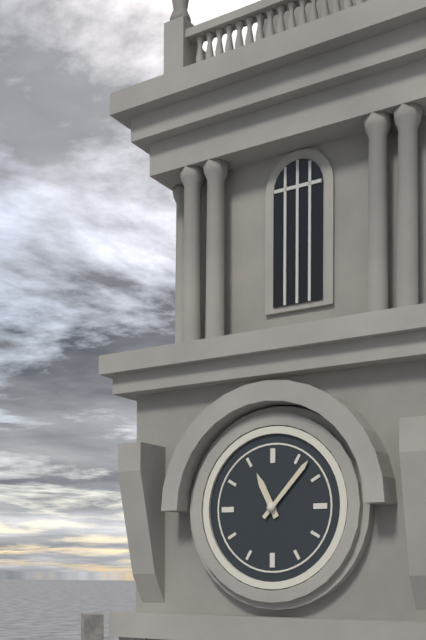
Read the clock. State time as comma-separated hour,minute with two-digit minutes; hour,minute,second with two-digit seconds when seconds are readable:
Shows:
11,07
